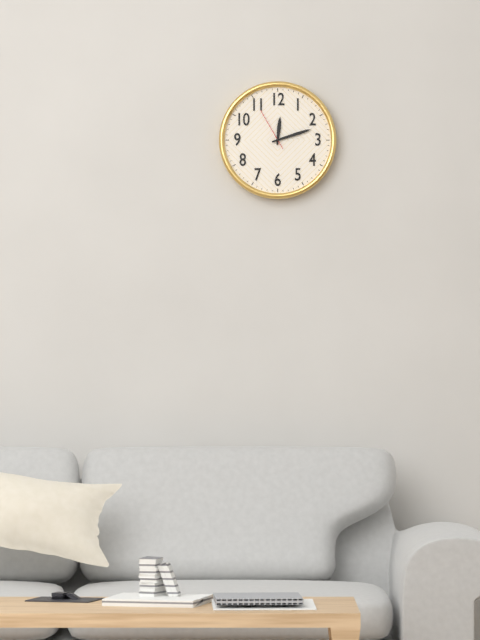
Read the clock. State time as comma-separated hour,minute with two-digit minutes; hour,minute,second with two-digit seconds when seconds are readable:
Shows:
12,12
